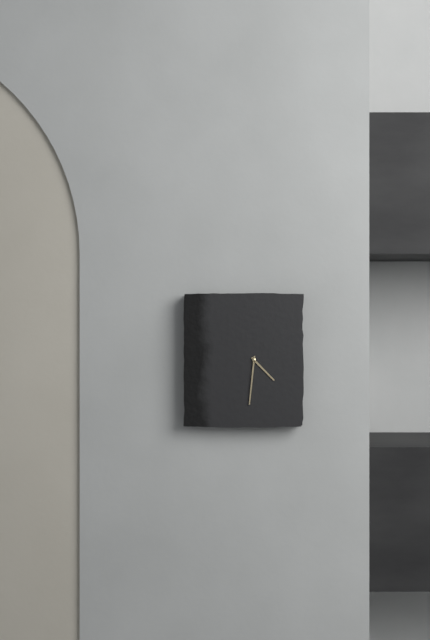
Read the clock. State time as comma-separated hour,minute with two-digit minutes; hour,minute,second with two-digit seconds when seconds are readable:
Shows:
4,31
